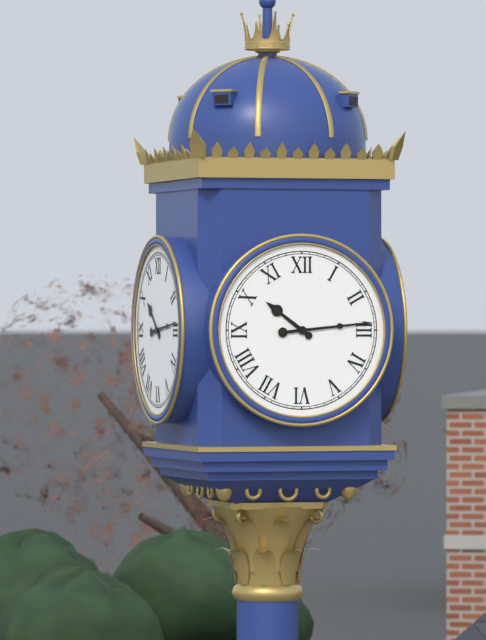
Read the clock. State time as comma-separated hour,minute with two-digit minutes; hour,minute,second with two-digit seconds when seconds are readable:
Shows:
10,14
